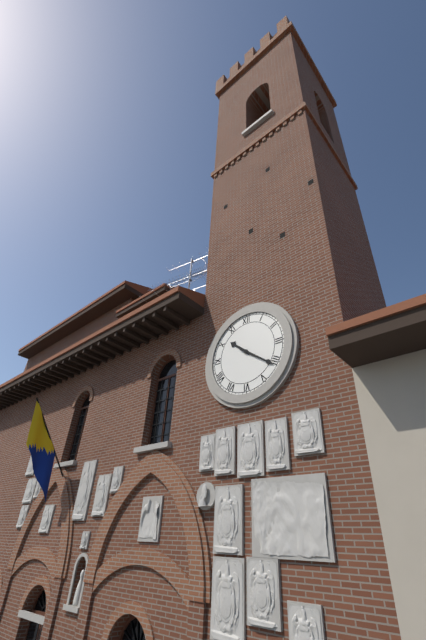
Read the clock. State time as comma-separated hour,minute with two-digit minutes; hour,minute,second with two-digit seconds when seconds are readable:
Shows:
10,21
